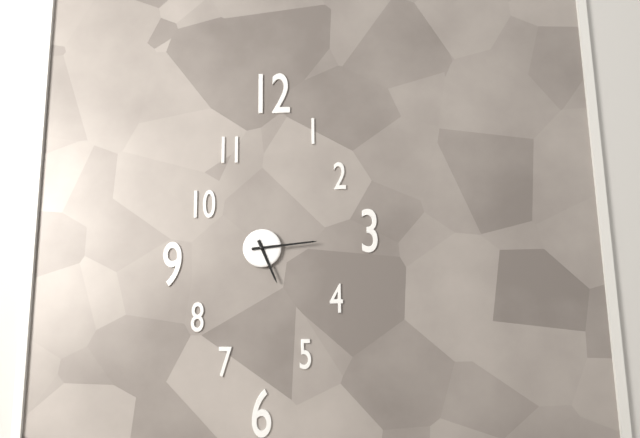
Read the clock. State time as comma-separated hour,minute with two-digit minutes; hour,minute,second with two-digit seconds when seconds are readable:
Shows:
5,14
